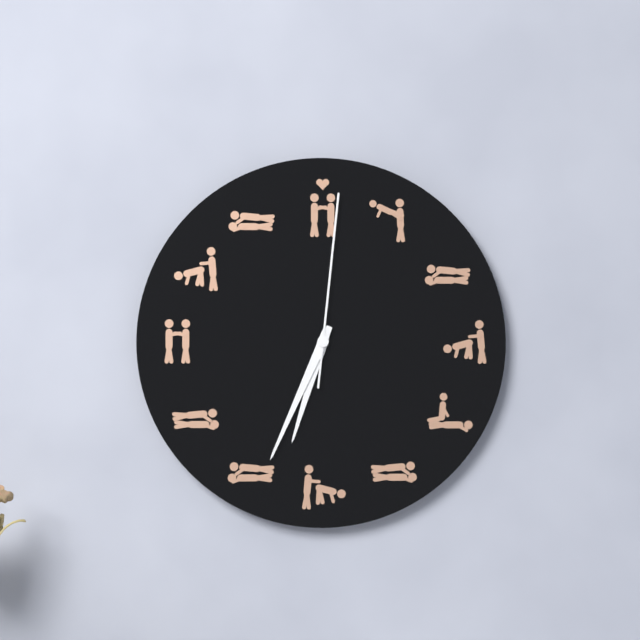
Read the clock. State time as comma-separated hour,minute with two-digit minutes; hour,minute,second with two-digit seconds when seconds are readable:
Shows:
6,34,01
